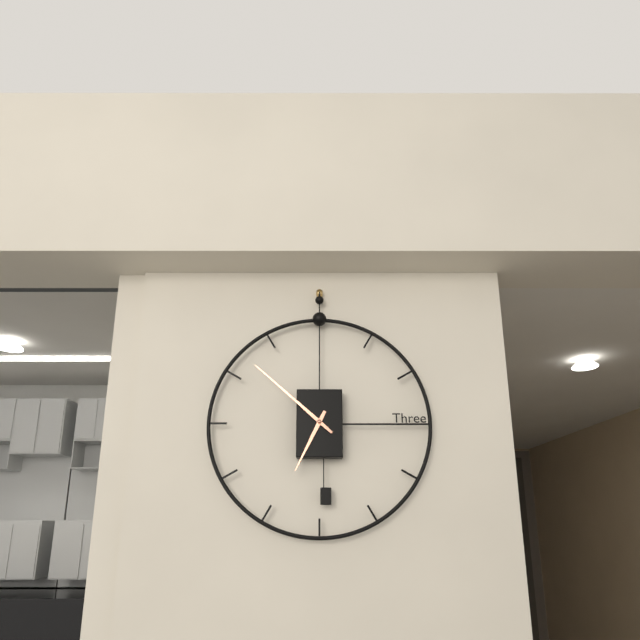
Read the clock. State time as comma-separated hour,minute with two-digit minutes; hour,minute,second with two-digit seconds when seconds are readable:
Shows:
6,52
